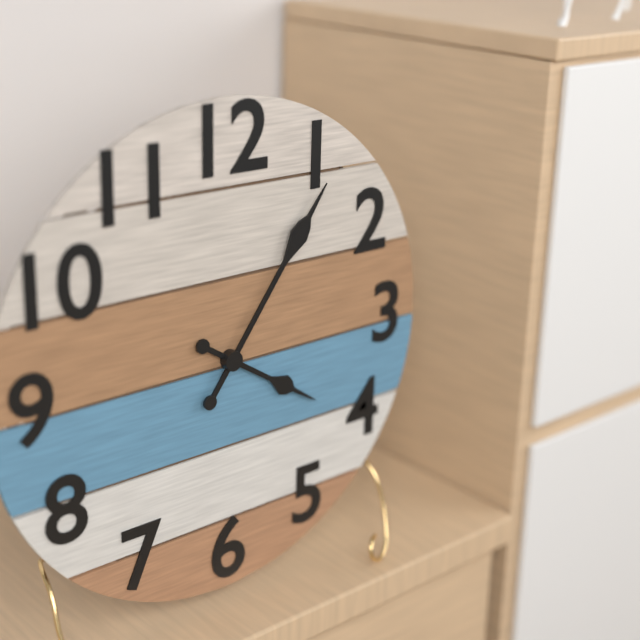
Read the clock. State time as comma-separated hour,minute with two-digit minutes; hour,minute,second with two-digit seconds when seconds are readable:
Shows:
4,06
